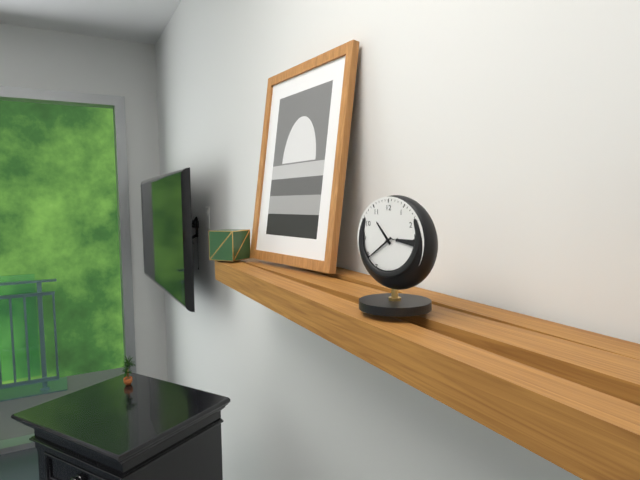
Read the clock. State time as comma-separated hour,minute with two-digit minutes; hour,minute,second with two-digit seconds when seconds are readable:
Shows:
10,39
